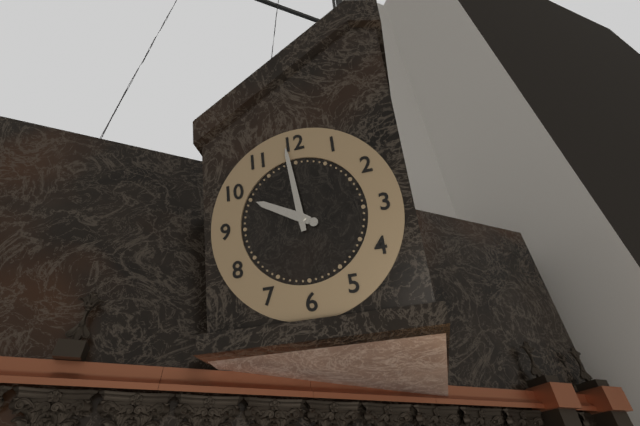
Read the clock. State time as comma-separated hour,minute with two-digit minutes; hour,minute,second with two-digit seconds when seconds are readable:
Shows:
9,59
